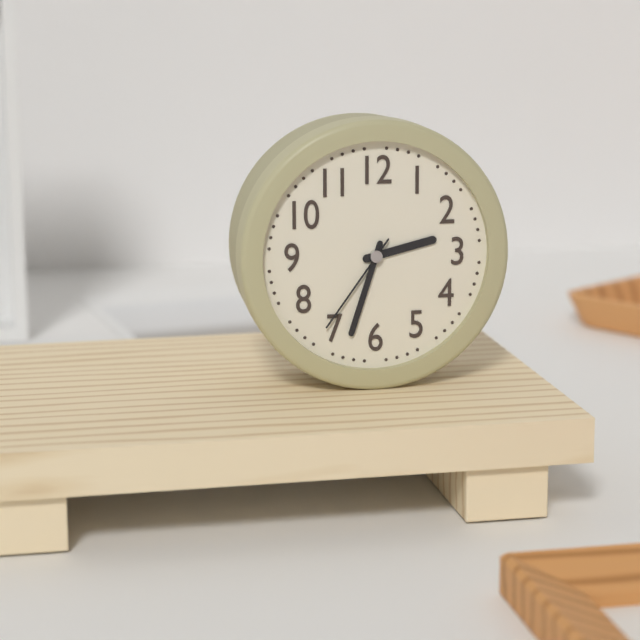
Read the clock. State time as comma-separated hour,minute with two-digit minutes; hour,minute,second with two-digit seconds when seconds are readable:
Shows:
2,33,36
